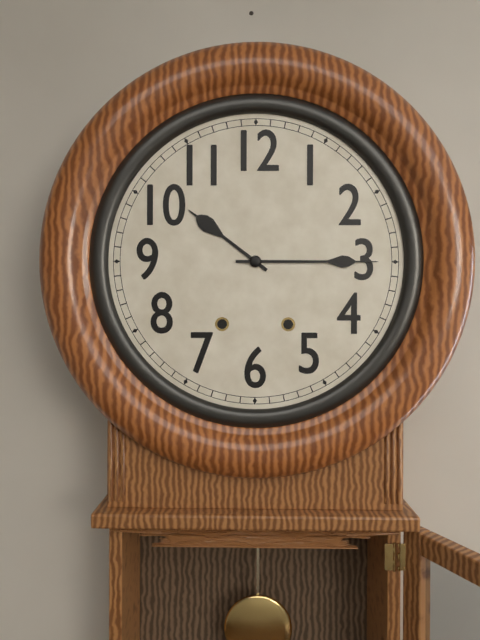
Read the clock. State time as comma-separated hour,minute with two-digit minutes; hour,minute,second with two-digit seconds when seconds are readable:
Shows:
10,15
